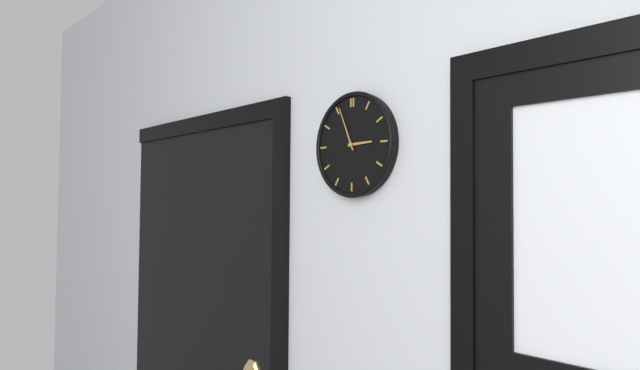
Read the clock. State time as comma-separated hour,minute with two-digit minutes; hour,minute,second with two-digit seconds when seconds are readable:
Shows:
2,56
